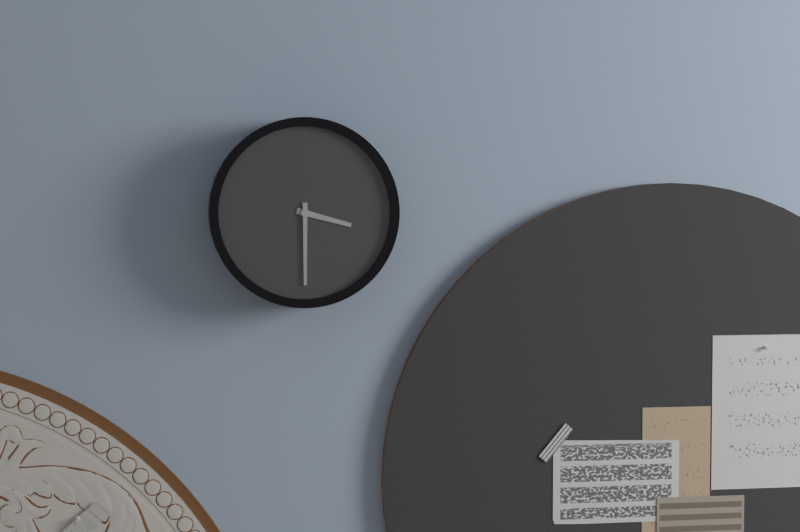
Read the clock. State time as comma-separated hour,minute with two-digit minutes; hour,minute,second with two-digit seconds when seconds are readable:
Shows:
3,30
